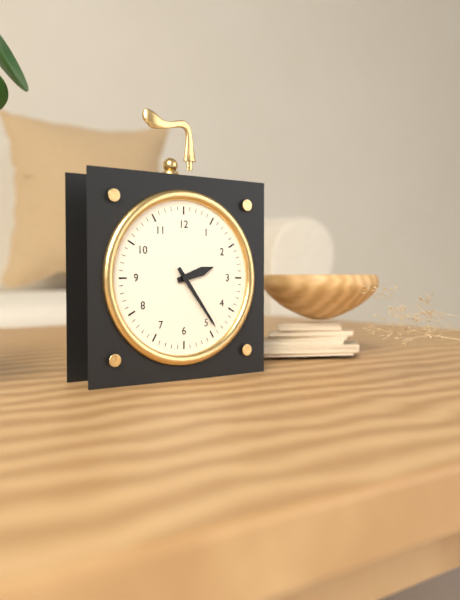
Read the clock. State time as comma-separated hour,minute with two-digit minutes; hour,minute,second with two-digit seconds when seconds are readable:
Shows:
2,24
